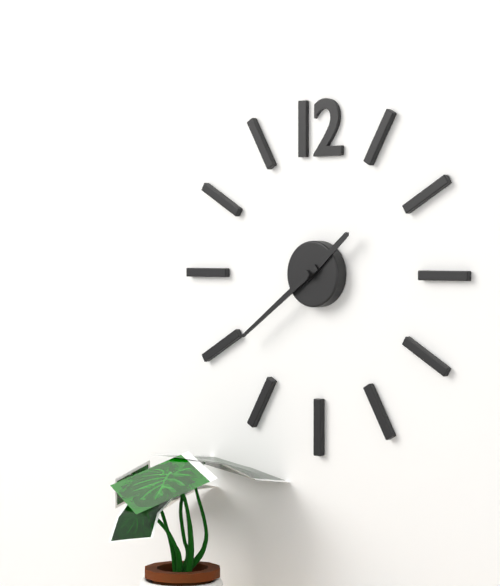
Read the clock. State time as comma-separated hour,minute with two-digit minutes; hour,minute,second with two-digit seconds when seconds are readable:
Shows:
1,39
